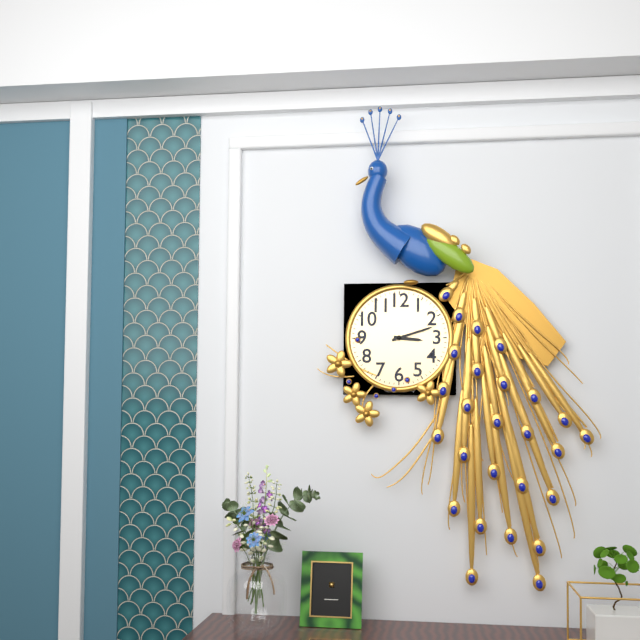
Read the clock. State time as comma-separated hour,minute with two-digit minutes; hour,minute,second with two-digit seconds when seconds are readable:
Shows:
3,12
